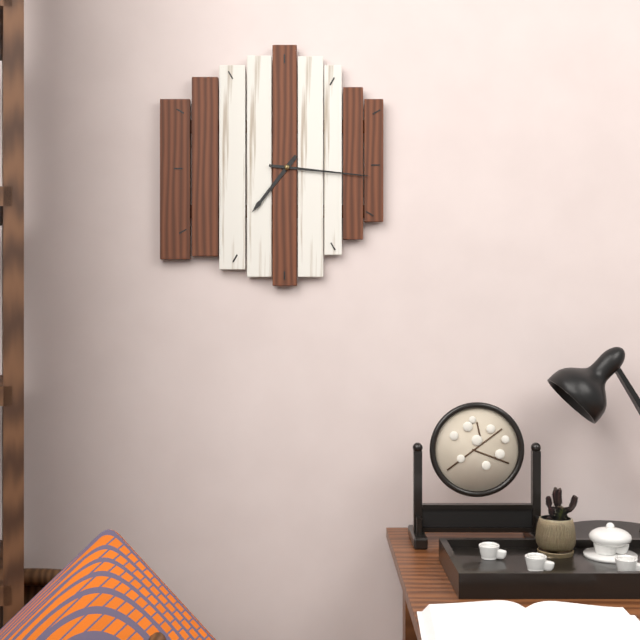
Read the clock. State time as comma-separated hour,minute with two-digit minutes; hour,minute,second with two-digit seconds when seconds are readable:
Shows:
7,16
